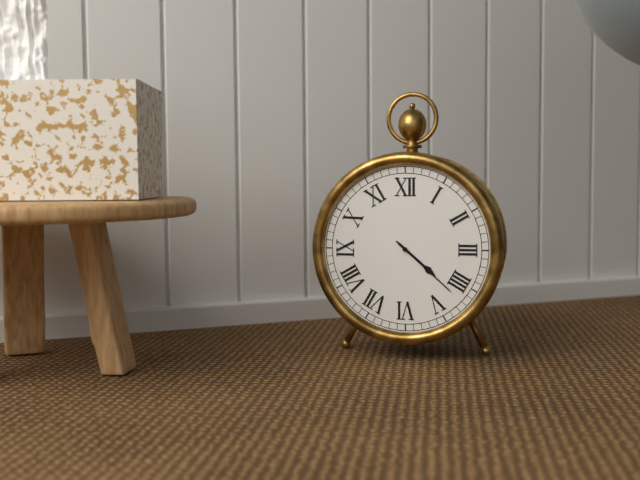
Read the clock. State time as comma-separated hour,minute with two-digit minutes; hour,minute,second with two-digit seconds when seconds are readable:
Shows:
4,22
